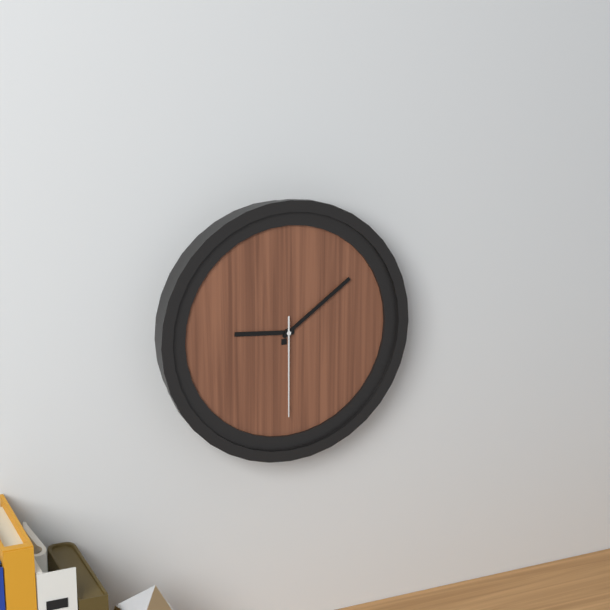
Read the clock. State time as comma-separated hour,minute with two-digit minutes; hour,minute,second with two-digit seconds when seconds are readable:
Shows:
9,09,30
